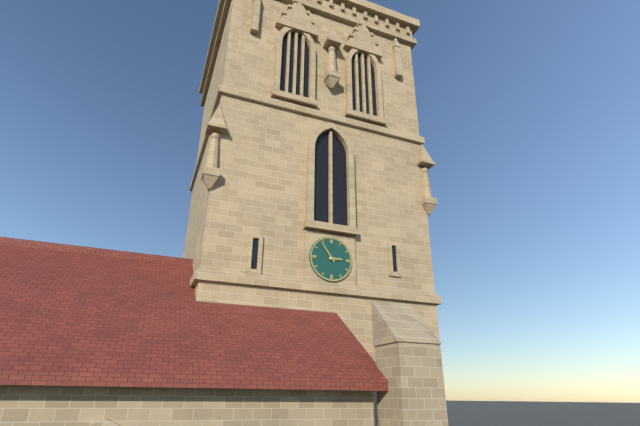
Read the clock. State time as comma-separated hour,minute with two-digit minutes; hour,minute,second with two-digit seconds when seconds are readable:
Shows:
2,54
